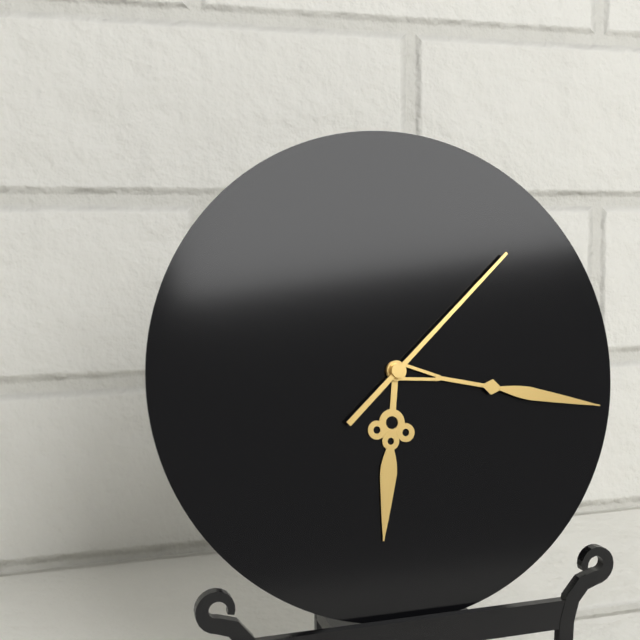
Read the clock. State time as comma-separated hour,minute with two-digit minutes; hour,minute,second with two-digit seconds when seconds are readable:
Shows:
6,17,08
